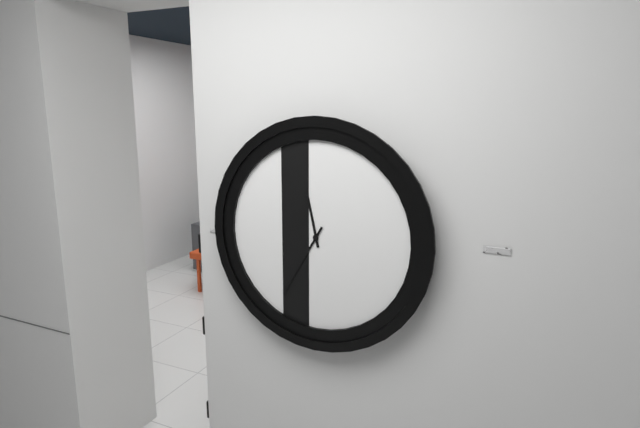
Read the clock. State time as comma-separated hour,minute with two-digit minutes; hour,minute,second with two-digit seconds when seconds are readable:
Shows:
11,35
